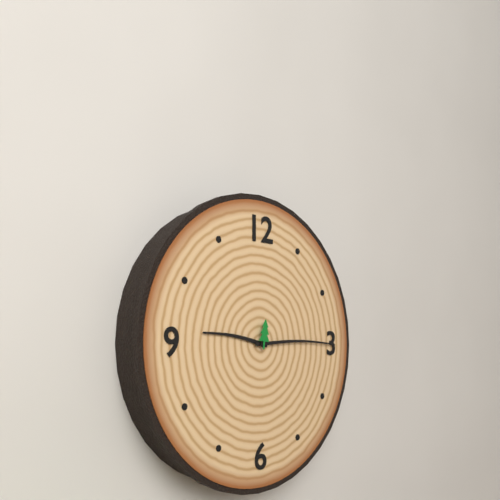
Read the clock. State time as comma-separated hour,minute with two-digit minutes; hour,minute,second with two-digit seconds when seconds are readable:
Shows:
9,15
